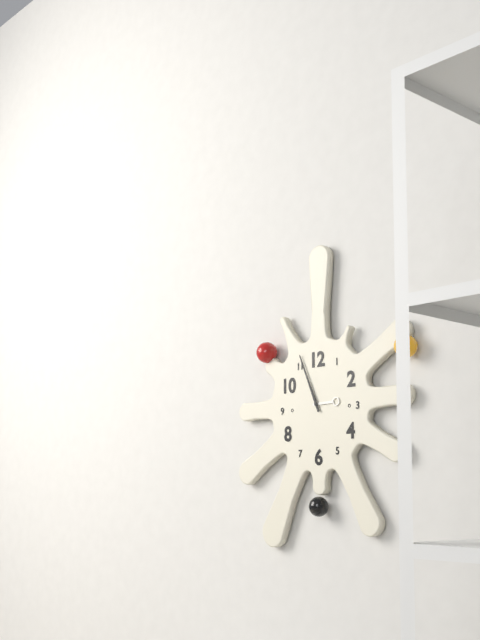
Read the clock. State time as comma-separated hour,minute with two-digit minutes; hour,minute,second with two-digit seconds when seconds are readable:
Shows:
2,56
